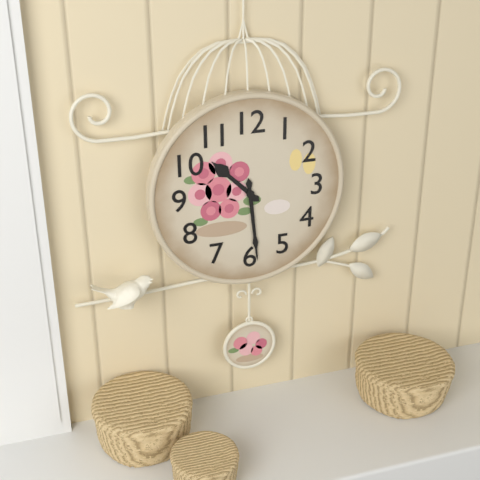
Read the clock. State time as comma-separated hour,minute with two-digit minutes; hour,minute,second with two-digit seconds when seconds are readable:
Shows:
10,29
